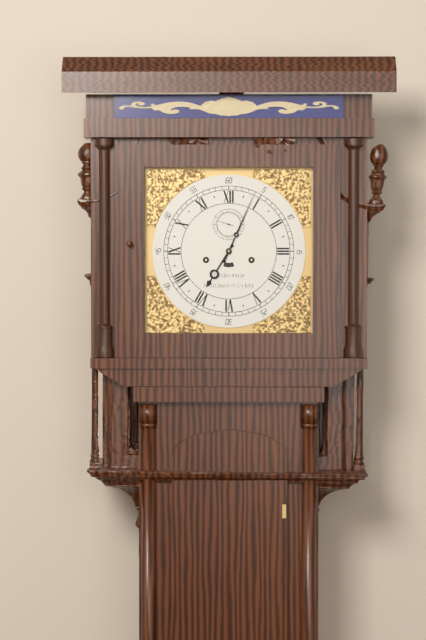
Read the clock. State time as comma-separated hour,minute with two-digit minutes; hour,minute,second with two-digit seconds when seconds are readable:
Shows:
7,04
